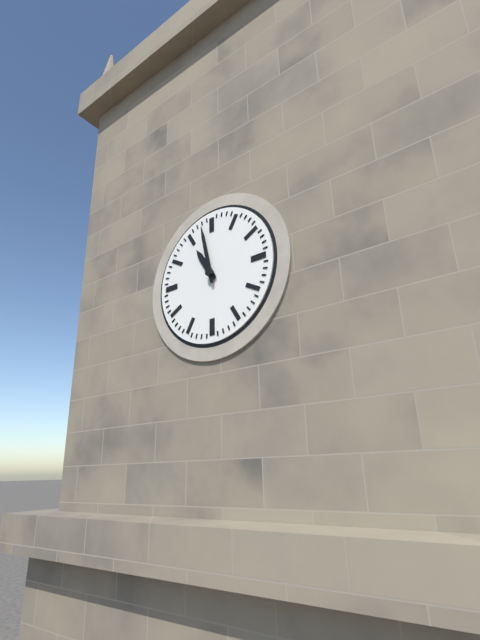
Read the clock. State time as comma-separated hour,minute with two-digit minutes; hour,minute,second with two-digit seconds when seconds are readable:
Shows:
10,58
